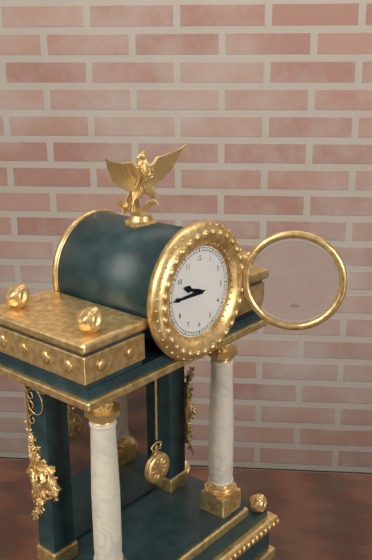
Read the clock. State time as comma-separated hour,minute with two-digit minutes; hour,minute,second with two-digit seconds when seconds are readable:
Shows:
9,45
